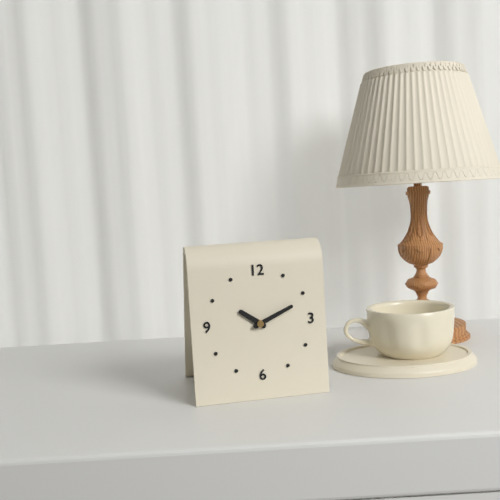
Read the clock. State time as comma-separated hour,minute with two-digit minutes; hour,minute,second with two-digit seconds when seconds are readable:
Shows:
10,11
